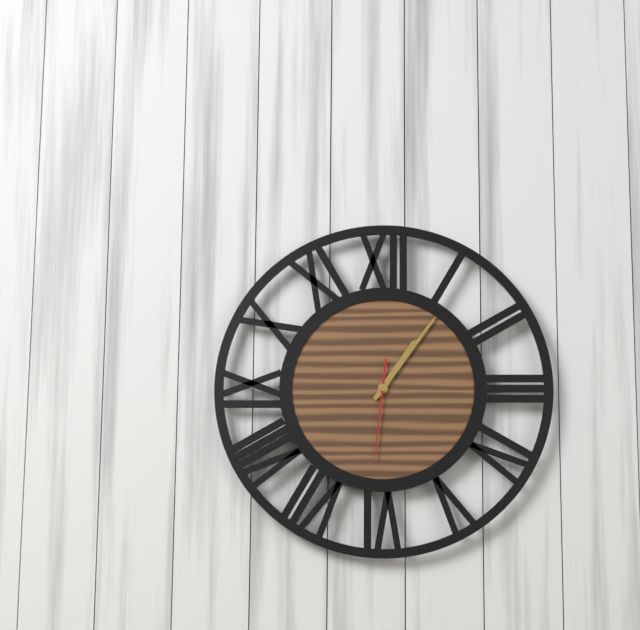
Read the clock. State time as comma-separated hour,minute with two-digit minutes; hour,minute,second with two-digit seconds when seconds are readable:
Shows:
1,06,31
